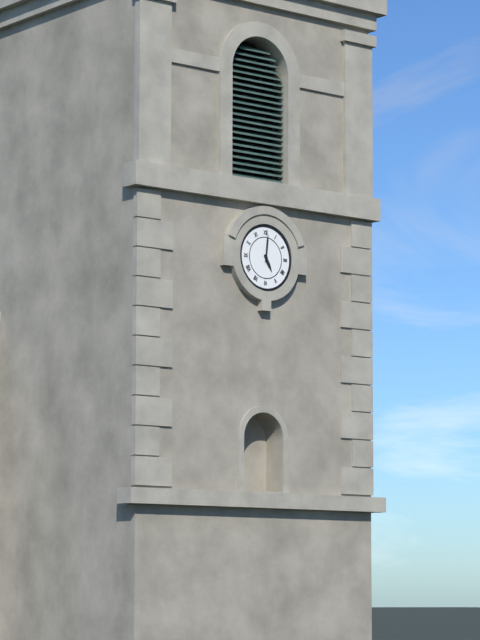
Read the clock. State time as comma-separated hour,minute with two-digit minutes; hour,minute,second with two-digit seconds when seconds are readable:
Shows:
5,01
